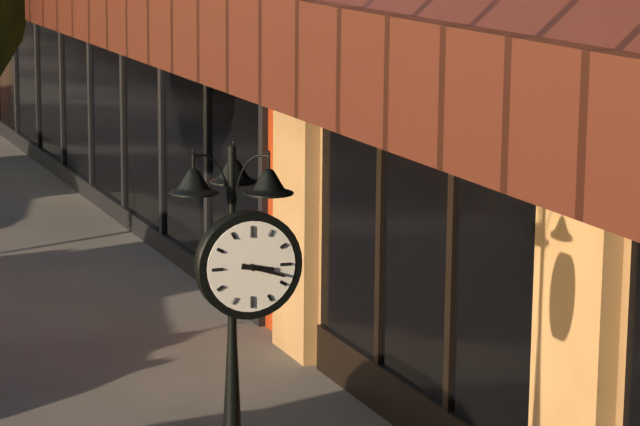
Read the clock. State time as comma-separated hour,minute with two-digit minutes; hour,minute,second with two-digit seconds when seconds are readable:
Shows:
3,18
